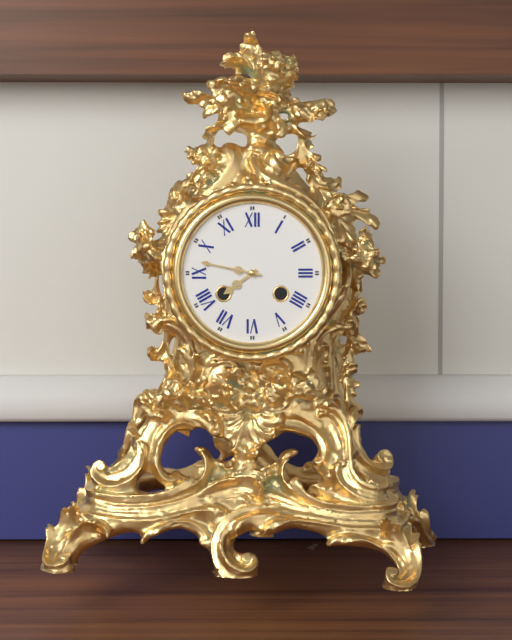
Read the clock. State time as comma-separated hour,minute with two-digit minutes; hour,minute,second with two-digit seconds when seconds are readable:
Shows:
7,47
